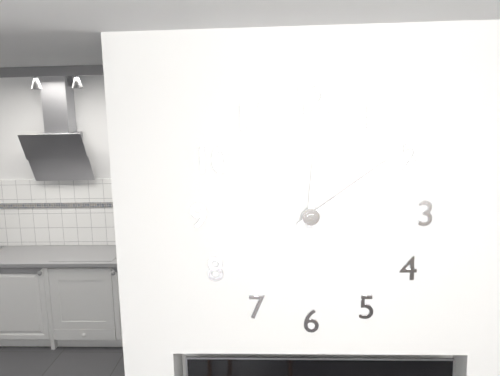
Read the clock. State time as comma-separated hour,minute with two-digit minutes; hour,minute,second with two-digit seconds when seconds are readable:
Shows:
12,09
